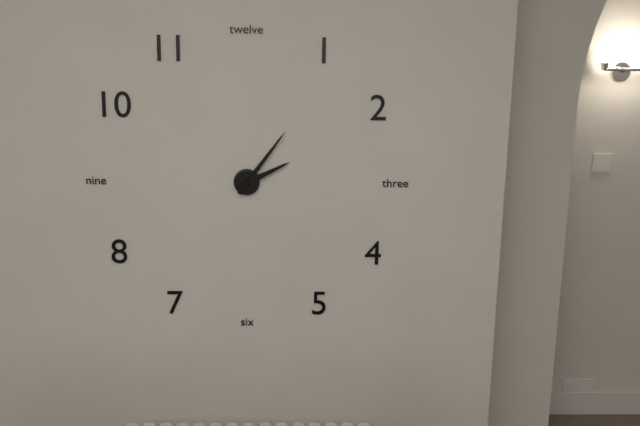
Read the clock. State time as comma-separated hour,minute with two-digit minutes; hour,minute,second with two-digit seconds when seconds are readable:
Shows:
2,06
